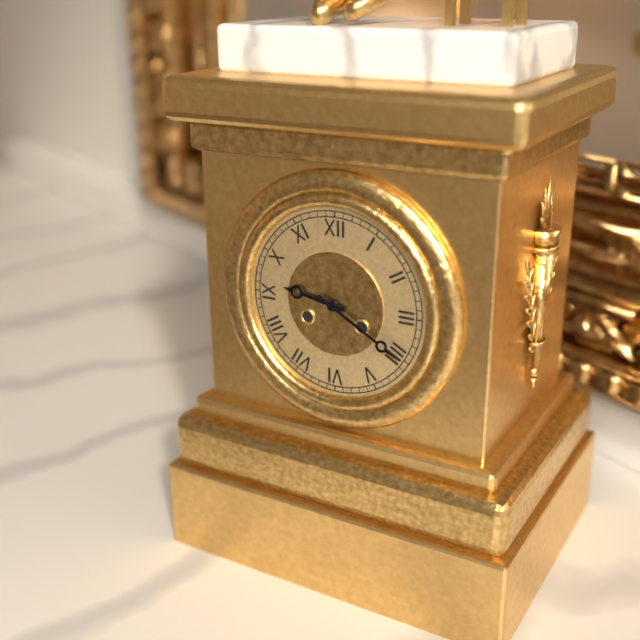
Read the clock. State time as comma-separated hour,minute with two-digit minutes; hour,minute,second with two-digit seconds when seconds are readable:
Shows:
9,20
